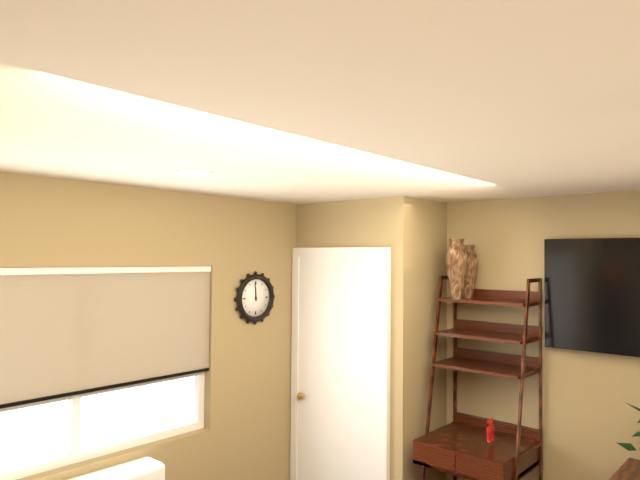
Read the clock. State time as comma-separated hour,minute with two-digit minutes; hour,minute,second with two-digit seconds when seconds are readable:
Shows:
11,59
